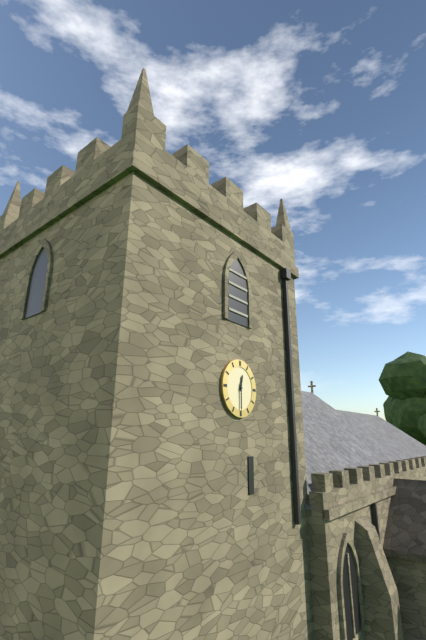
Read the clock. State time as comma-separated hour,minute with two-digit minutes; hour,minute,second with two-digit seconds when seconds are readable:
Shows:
12,30
